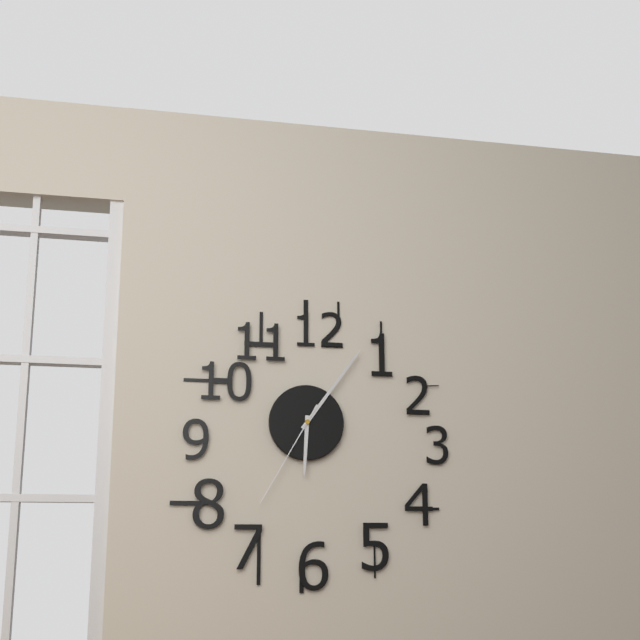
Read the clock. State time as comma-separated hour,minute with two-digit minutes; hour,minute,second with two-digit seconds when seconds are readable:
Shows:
6,06,35
